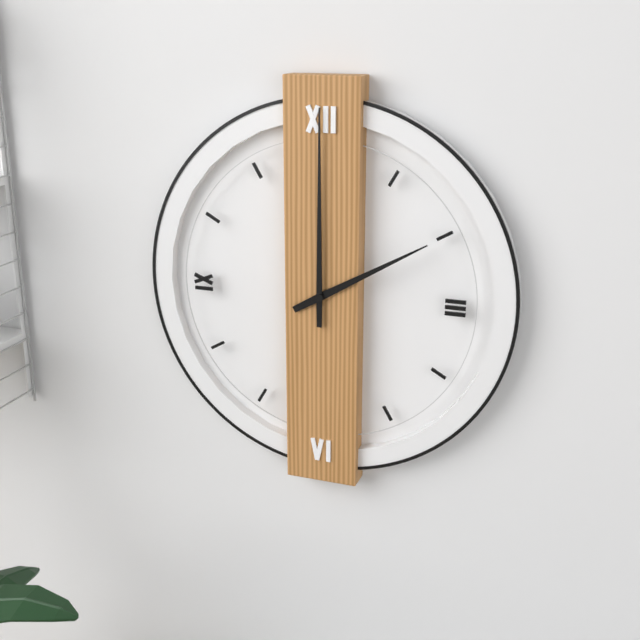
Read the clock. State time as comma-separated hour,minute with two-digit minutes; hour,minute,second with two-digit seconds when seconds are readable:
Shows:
2,00
